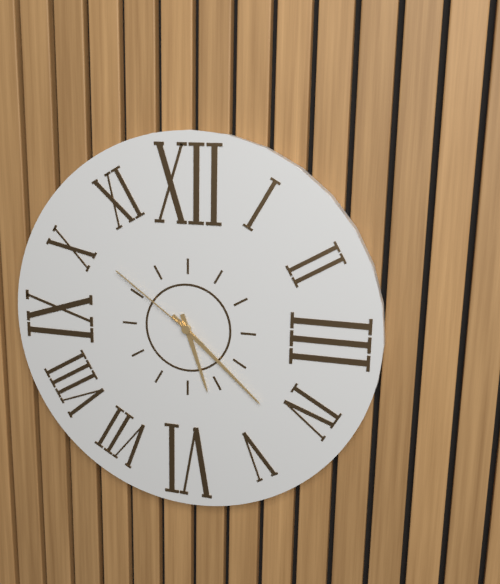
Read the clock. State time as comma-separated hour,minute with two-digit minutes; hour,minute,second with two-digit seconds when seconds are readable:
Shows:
5,22,51
